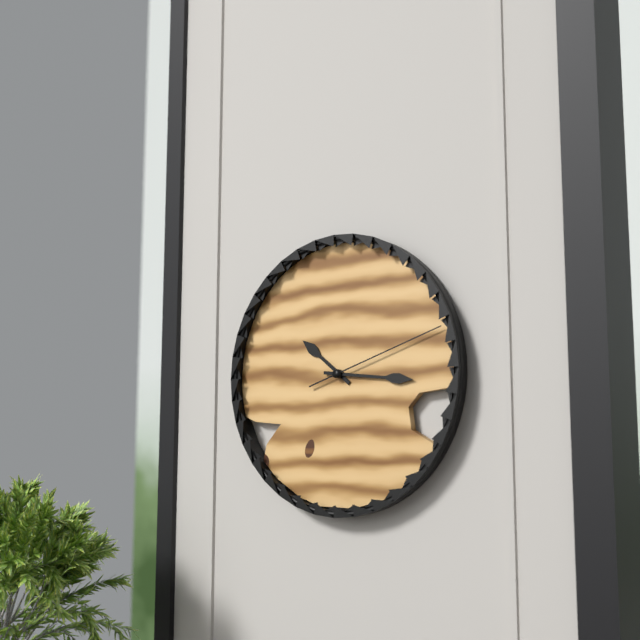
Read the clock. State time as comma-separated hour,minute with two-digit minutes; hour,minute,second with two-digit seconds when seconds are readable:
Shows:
10,16,12
